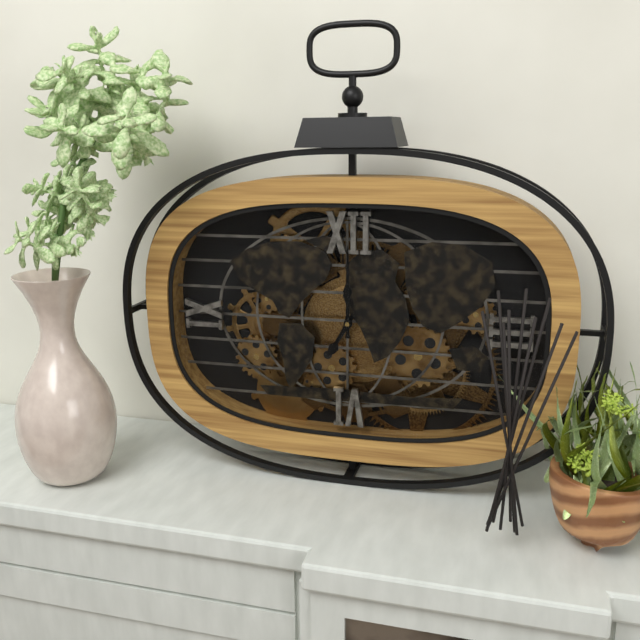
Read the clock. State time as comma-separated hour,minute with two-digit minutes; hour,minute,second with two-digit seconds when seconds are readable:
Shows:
7,00
